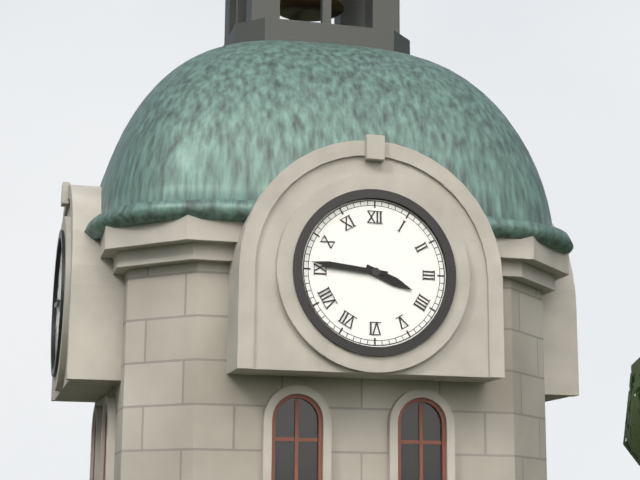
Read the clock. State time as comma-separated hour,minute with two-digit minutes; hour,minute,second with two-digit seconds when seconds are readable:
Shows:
3,46
